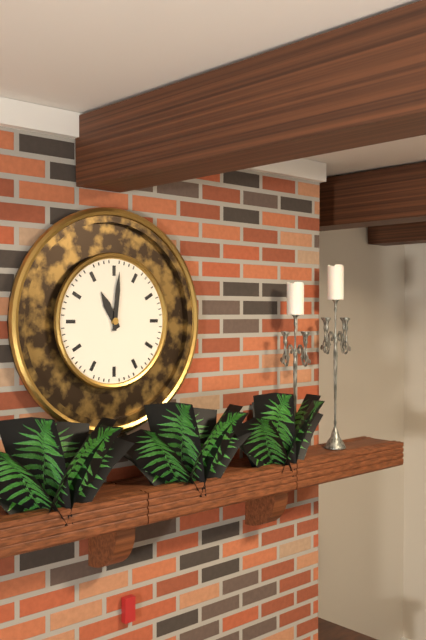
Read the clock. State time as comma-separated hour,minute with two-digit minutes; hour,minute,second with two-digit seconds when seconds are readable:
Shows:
11,01
